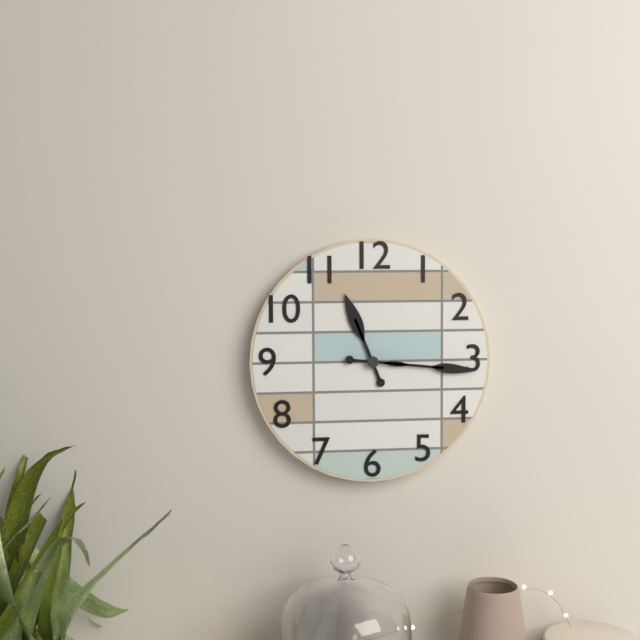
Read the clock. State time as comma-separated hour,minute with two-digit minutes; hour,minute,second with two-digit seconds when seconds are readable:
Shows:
11,16
